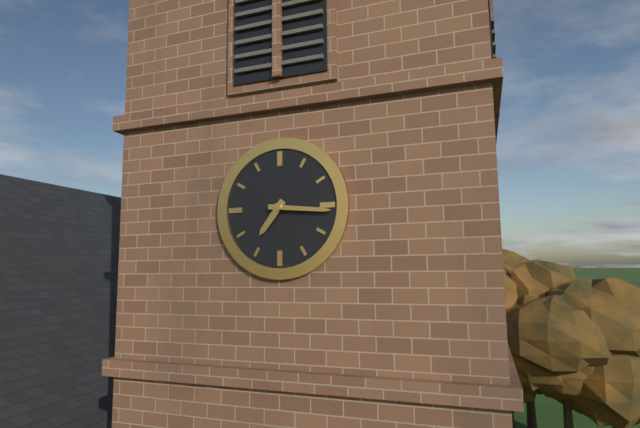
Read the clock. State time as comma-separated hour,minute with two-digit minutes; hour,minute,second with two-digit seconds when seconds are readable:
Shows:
7,16
